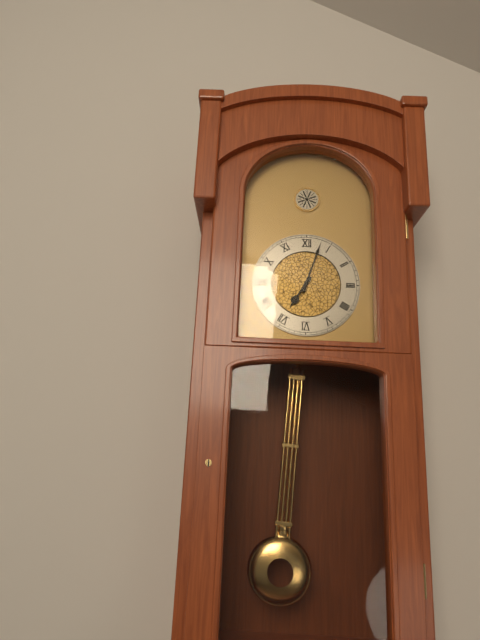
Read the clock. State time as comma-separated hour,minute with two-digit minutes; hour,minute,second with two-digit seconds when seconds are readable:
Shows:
7,03
